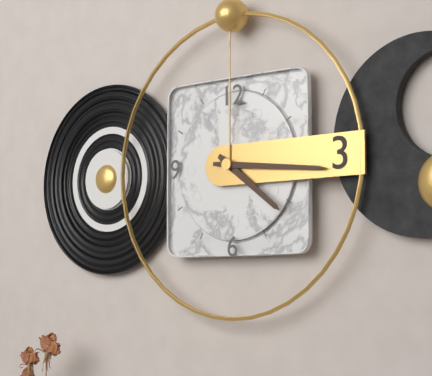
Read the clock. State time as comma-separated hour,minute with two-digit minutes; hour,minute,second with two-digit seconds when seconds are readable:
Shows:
4,16
